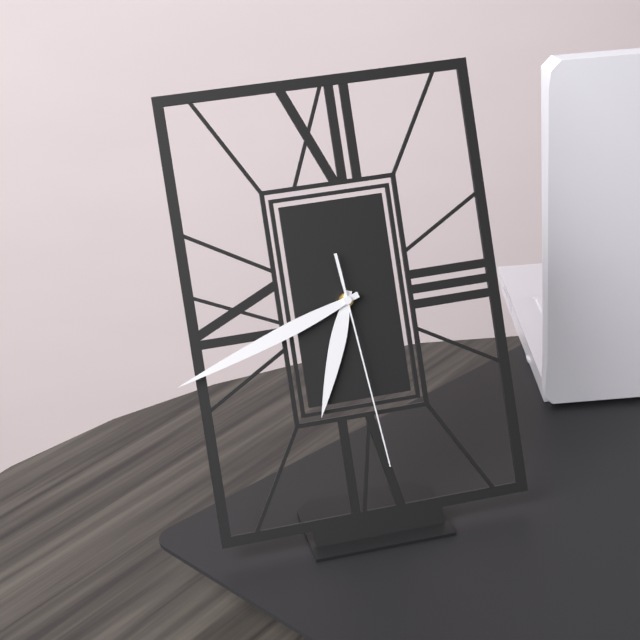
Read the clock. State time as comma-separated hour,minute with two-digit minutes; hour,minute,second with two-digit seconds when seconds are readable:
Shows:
6,42,29
